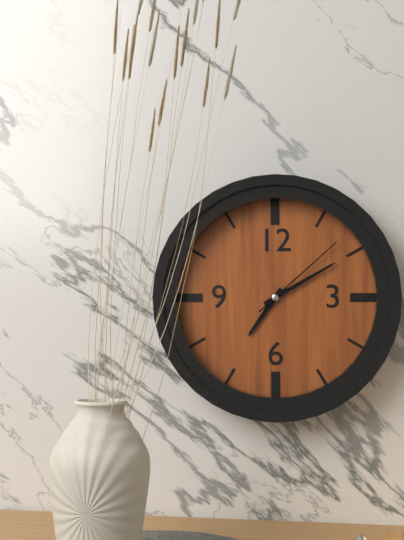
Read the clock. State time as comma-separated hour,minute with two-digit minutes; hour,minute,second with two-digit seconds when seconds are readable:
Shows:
7,10,08
